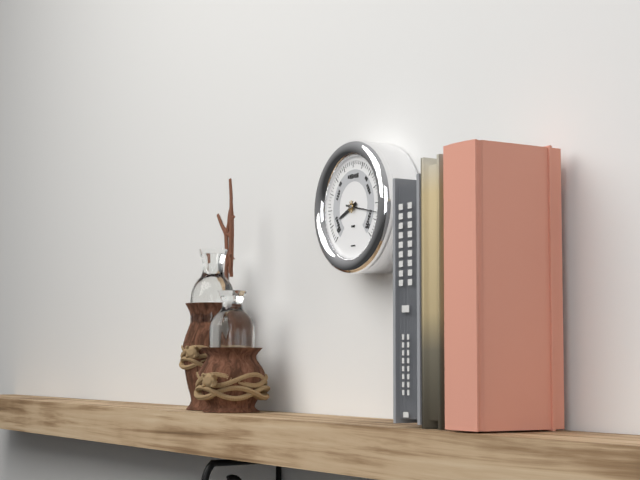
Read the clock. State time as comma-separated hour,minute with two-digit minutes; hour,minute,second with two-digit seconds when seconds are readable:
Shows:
8,17
